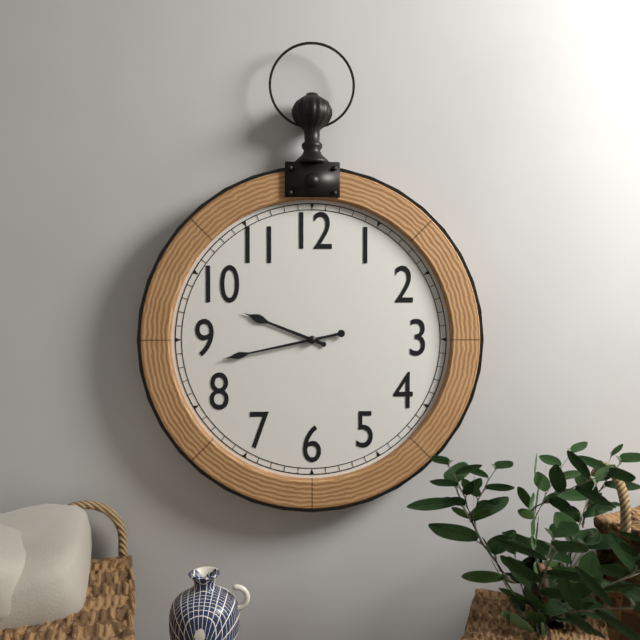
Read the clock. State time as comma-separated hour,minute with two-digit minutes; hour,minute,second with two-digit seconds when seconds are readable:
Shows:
9,43
